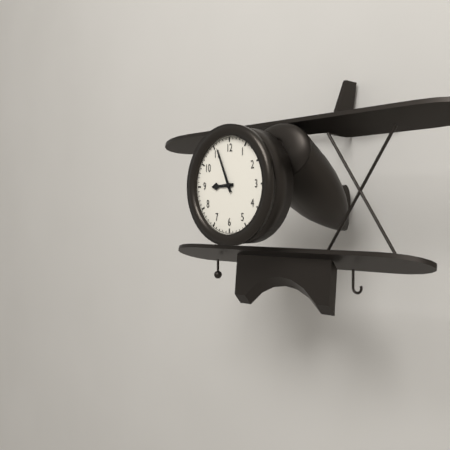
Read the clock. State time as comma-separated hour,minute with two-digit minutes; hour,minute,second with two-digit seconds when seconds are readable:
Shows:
8,56
